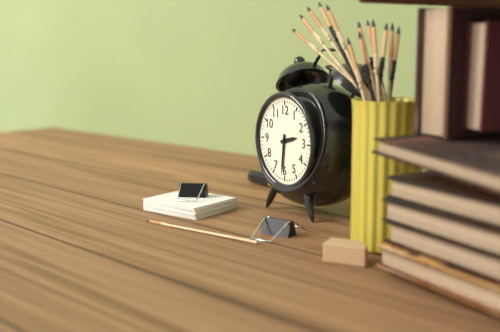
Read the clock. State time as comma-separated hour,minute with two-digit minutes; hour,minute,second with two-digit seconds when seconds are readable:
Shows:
2,31
